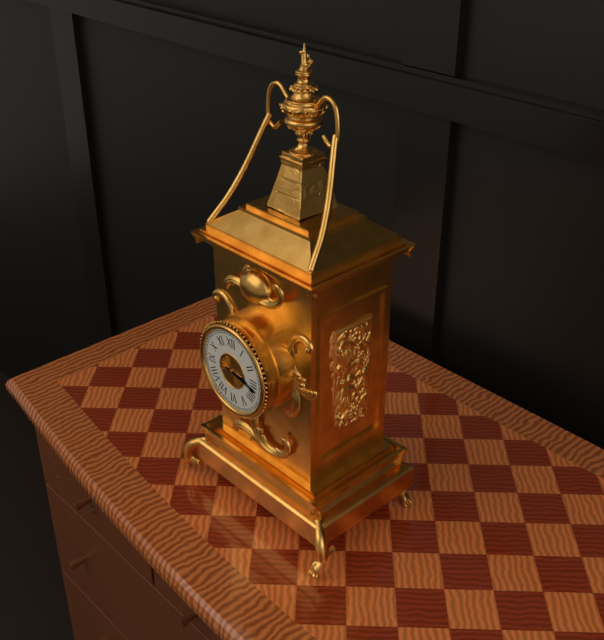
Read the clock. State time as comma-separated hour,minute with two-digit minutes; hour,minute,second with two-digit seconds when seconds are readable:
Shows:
3,17
